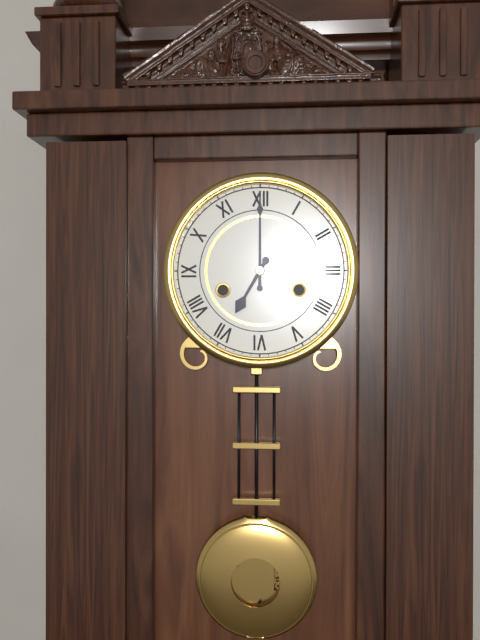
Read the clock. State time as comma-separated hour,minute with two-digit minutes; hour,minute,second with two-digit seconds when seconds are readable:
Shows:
7,00
